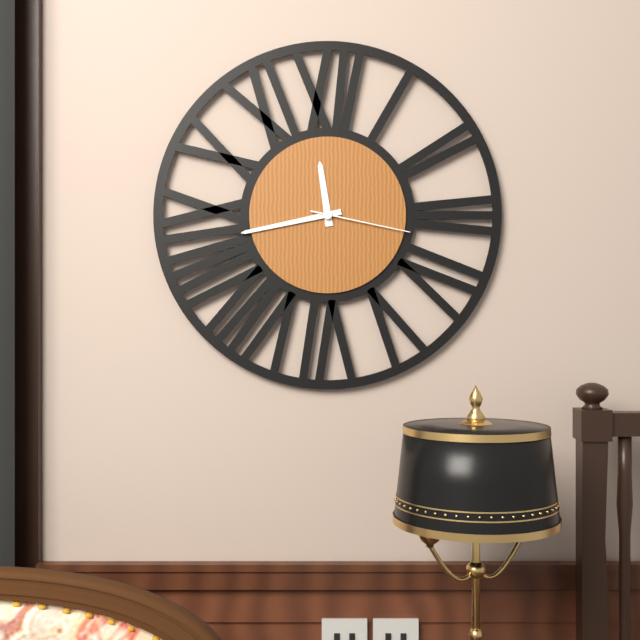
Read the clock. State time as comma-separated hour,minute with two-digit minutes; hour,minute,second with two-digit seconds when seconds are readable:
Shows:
11,43,17
